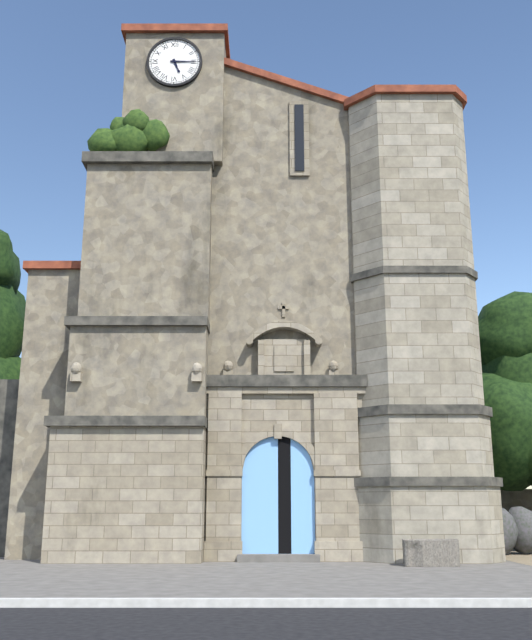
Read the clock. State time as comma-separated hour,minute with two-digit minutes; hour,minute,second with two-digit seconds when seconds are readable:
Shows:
5,15
